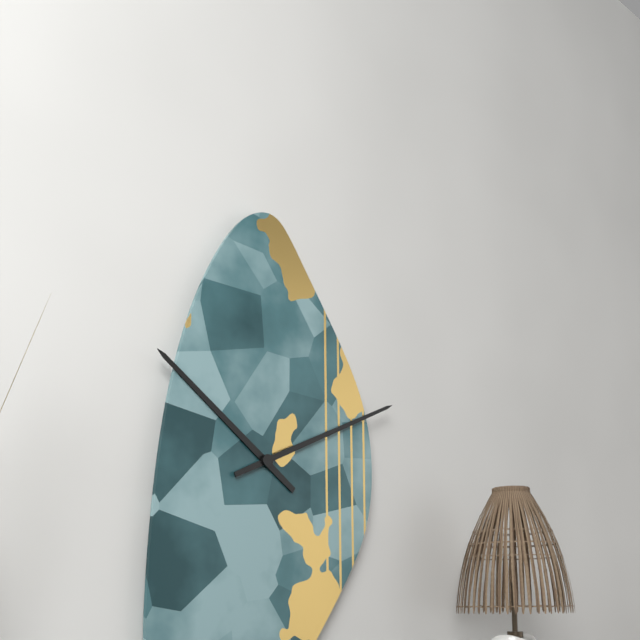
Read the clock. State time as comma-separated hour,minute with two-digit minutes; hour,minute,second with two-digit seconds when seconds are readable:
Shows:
10,11
